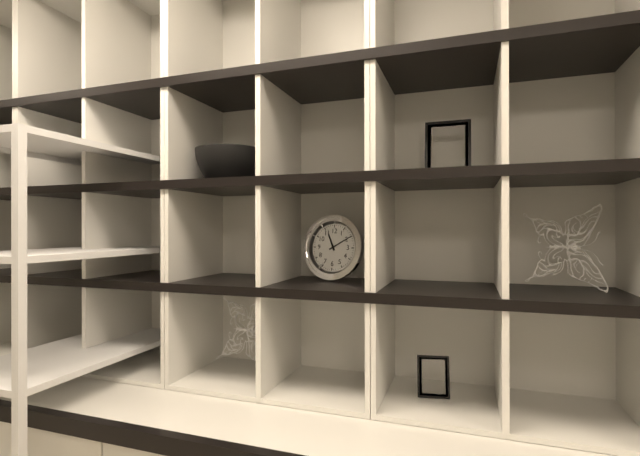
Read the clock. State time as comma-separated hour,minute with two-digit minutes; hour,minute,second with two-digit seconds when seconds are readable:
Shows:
11,10
